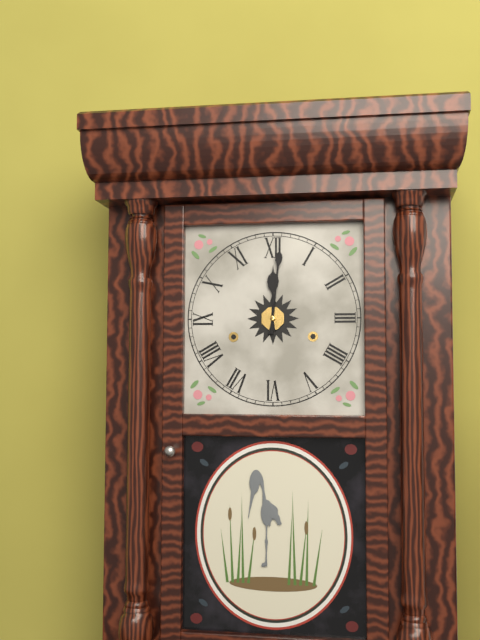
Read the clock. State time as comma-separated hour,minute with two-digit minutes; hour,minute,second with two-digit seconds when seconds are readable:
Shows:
12,01
